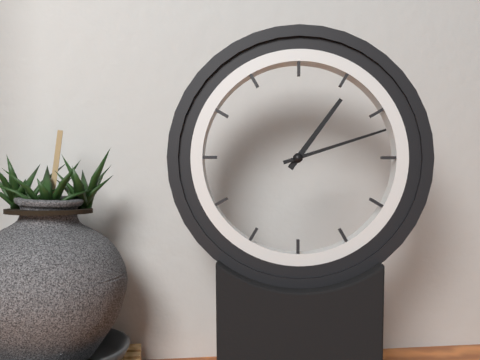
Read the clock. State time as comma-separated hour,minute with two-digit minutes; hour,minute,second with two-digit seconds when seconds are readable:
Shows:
1,12
